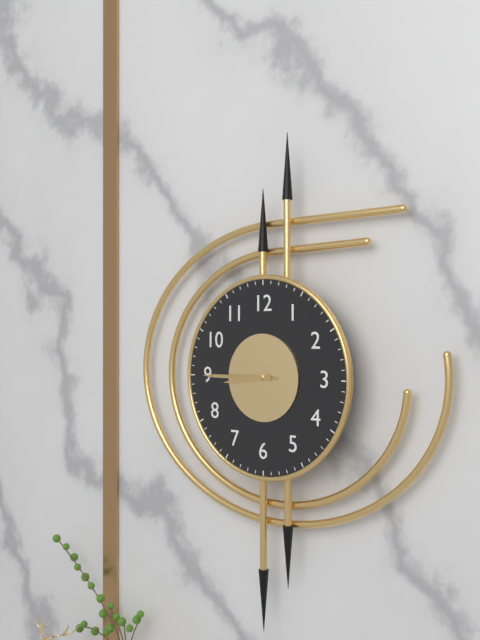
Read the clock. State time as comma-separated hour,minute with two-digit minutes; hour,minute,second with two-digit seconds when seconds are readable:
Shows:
8,45,45
